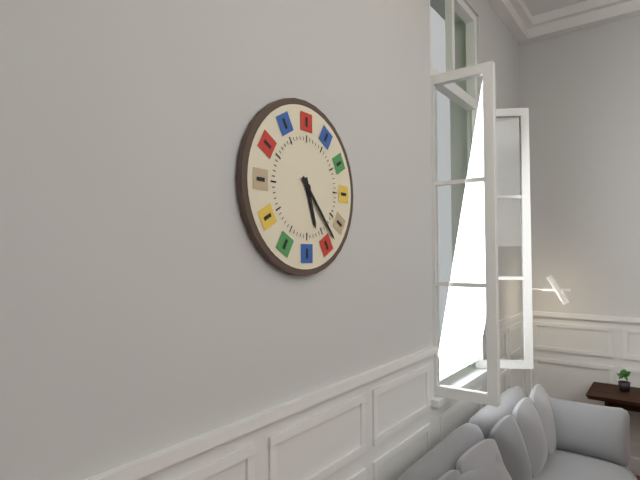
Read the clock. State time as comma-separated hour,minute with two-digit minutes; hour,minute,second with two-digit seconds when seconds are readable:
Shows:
5,23
